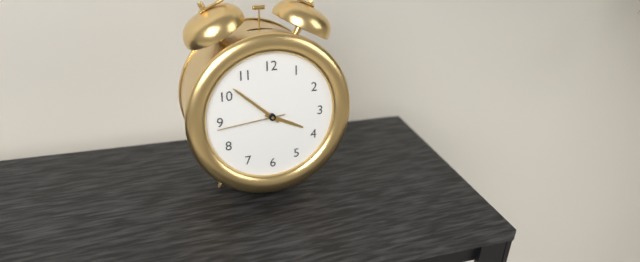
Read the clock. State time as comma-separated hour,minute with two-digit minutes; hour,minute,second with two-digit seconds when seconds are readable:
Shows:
3,52,44
